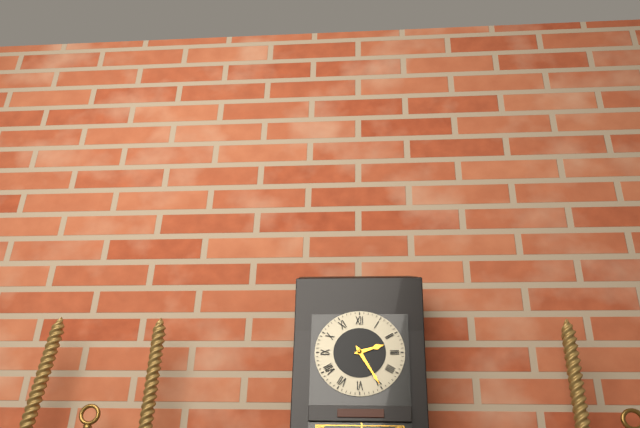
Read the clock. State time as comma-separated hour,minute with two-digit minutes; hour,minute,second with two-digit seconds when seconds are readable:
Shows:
2,25
